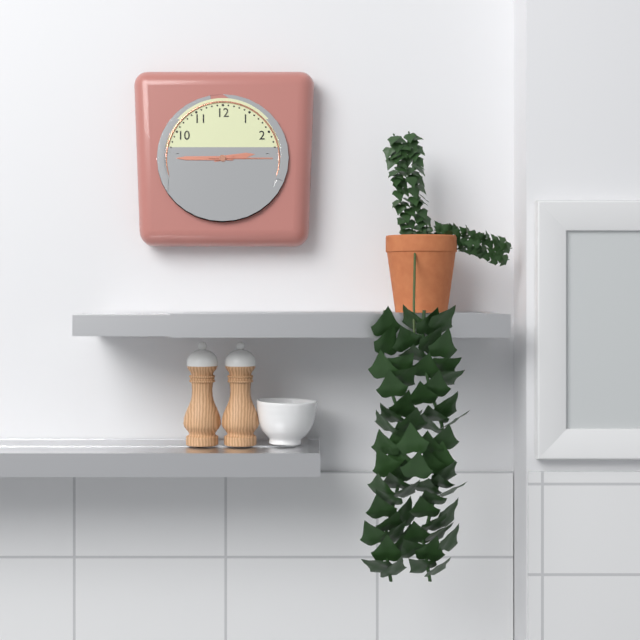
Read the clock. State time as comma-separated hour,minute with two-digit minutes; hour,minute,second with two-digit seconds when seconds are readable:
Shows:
2,45,15
